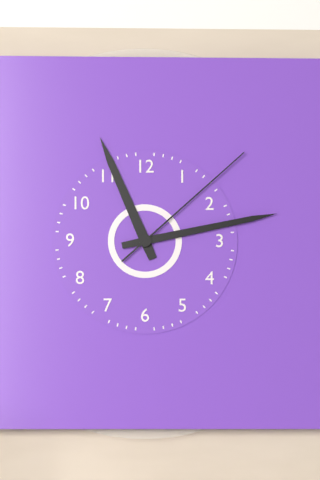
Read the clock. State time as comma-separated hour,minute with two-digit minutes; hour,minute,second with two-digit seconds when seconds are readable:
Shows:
11,13,08
